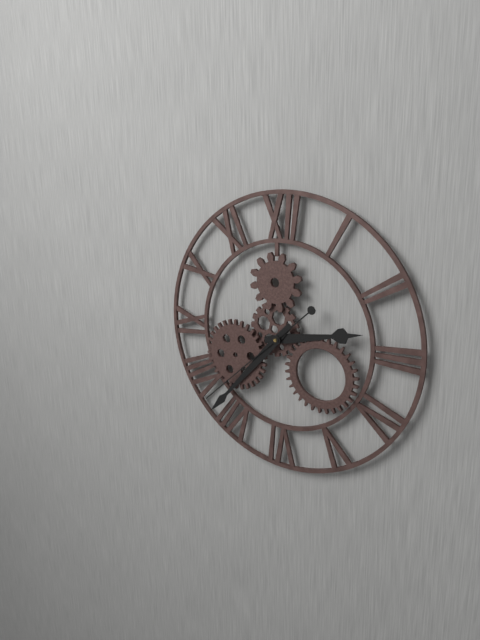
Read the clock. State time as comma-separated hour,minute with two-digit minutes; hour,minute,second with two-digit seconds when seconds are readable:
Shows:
2,37,38
